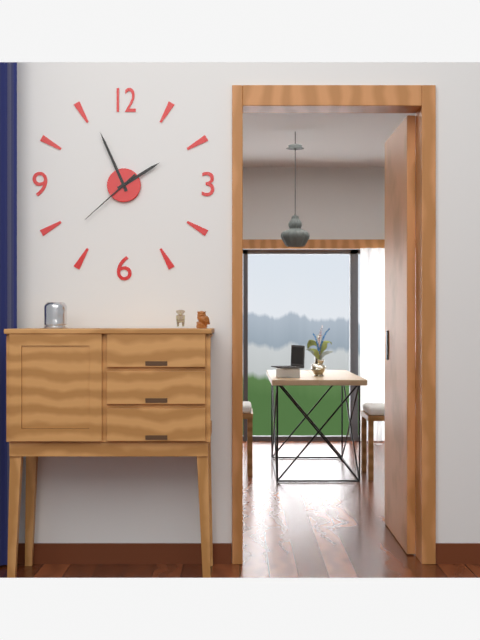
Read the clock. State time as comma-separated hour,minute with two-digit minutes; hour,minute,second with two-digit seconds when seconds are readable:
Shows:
1,56,38
